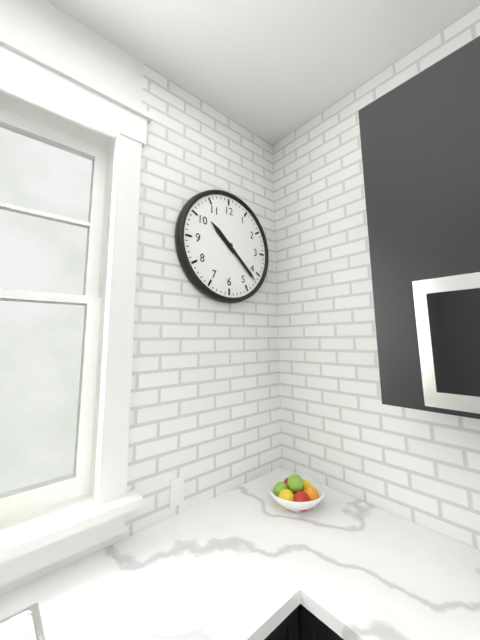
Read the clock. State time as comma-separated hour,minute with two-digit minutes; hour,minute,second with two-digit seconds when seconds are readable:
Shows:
10,22
